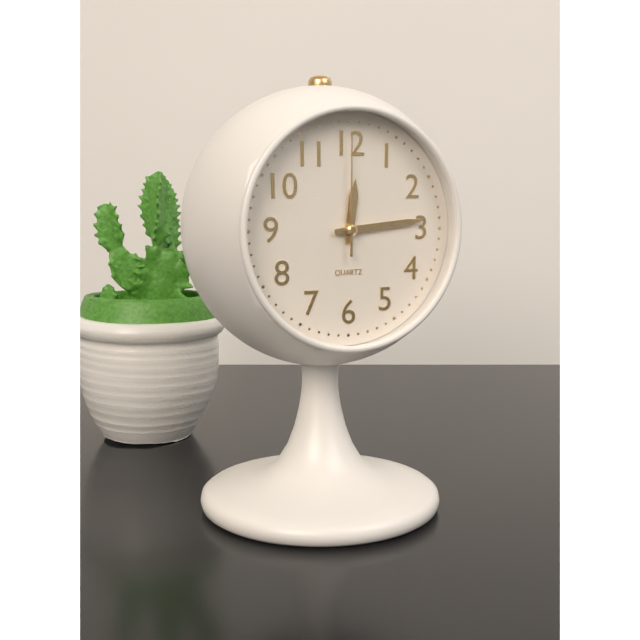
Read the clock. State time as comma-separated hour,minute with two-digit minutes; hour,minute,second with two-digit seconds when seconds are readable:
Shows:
12,14,00
